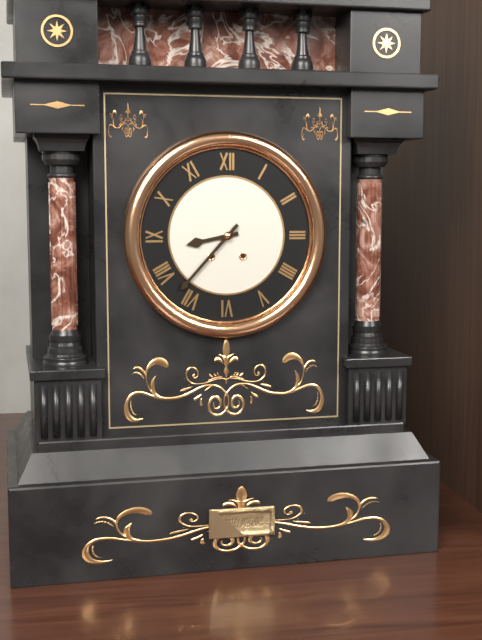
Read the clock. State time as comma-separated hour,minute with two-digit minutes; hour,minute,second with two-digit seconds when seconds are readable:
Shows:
8,37
